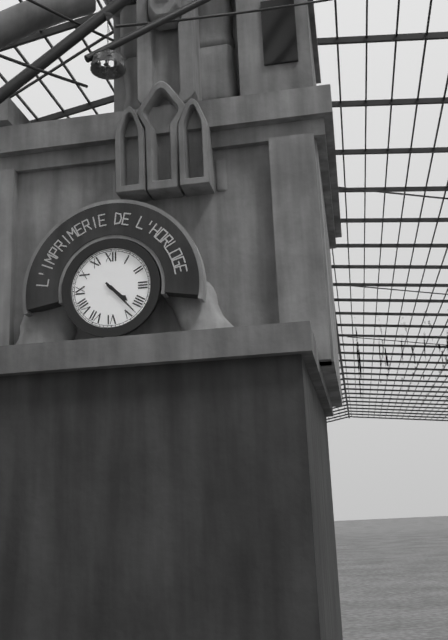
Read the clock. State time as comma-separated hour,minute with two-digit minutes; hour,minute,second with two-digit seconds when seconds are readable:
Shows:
4,23
